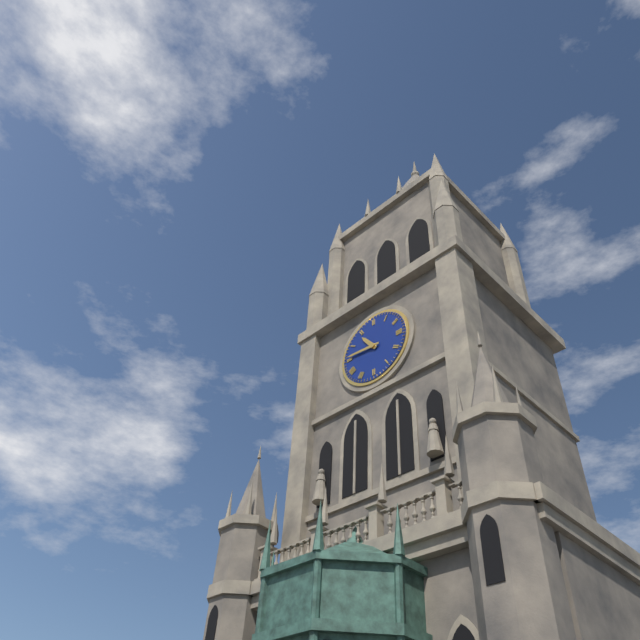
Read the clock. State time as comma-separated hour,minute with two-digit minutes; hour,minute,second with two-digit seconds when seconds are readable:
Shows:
10,46
